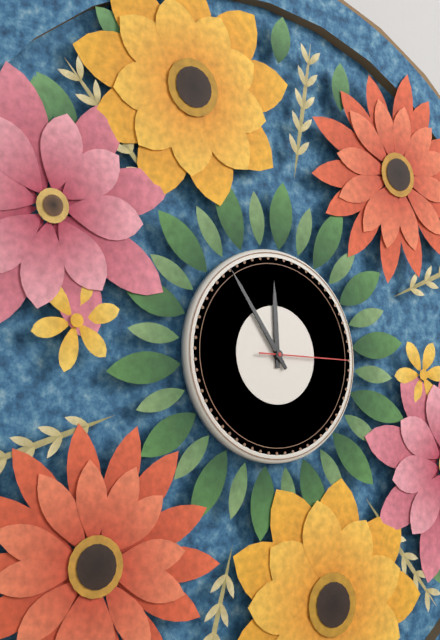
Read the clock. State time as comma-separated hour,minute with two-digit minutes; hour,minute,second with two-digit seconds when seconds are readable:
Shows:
11,54,15
